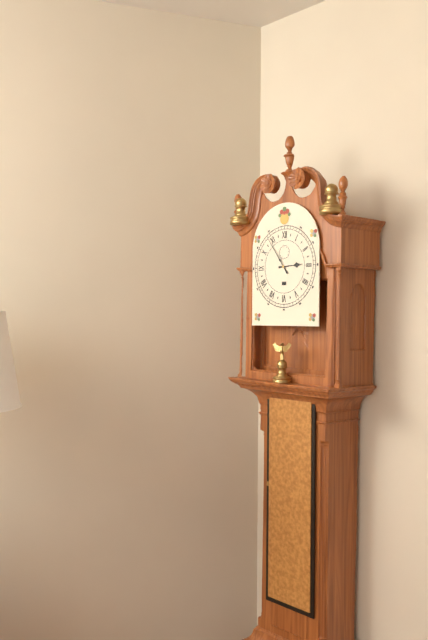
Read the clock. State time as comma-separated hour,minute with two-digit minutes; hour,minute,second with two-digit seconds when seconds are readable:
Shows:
2,54
